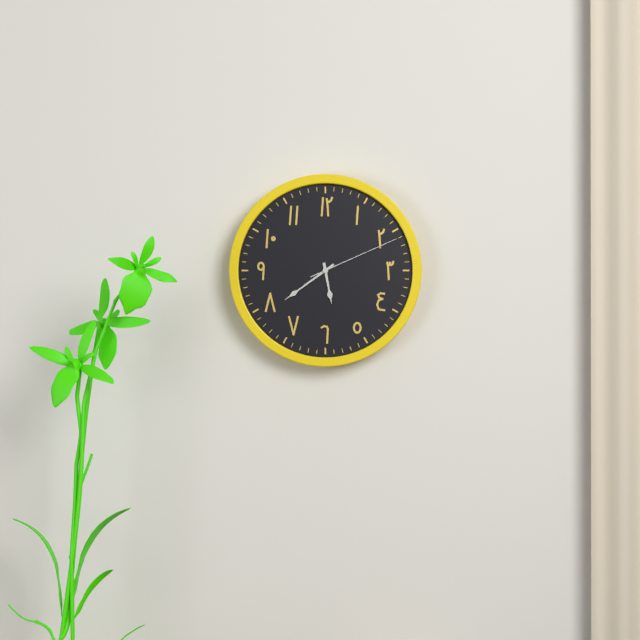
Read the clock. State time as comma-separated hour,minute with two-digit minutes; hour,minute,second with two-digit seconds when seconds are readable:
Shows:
5,39,11
